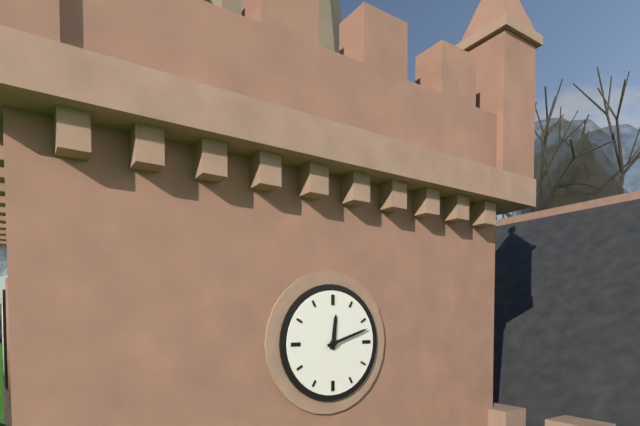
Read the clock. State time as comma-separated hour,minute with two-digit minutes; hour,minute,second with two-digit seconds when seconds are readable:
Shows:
12,12
